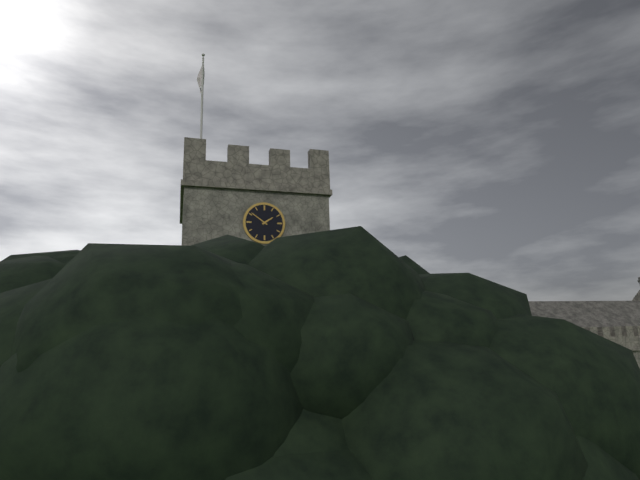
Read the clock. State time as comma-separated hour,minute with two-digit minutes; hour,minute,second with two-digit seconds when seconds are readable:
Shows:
1,51
